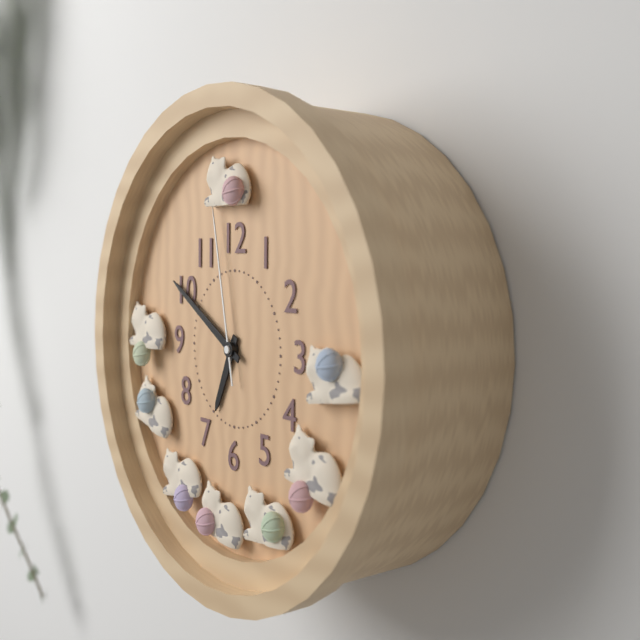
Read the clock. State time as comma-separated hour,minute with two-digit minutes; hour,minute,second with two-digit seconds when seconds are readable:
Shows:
6,50,58
